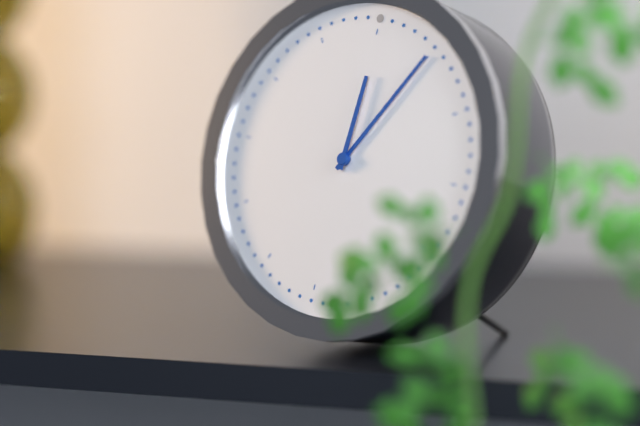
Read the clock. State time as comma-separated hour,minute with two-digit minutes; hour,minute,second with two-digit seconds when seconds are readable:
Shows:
12,05
